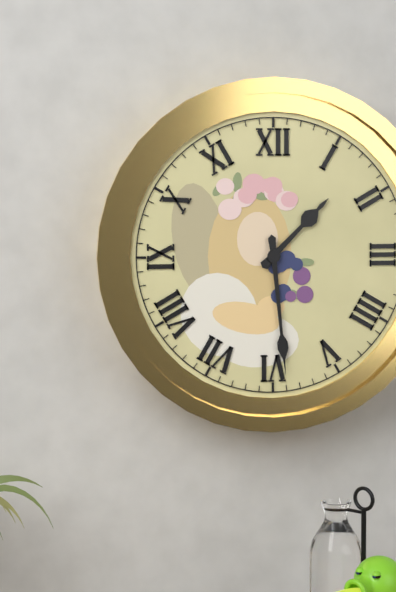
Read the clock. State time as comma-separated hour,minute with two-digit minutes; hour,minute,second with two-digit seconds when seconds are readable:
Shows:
1,29
